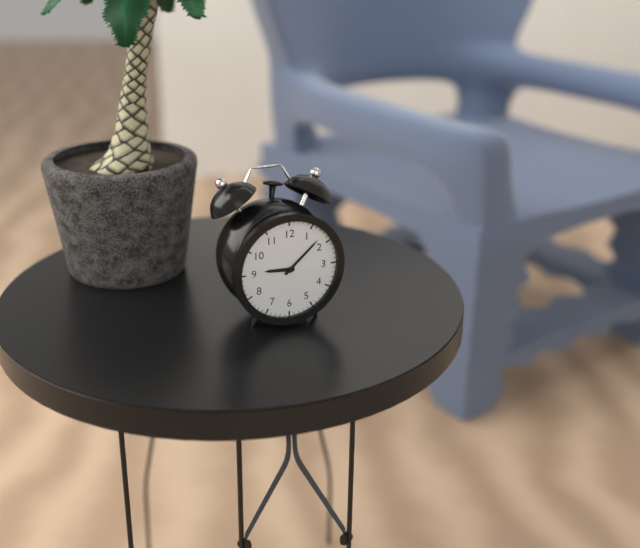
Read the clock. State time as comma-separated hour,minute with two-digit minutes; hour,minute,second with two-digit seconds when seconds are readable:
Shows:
9,08
